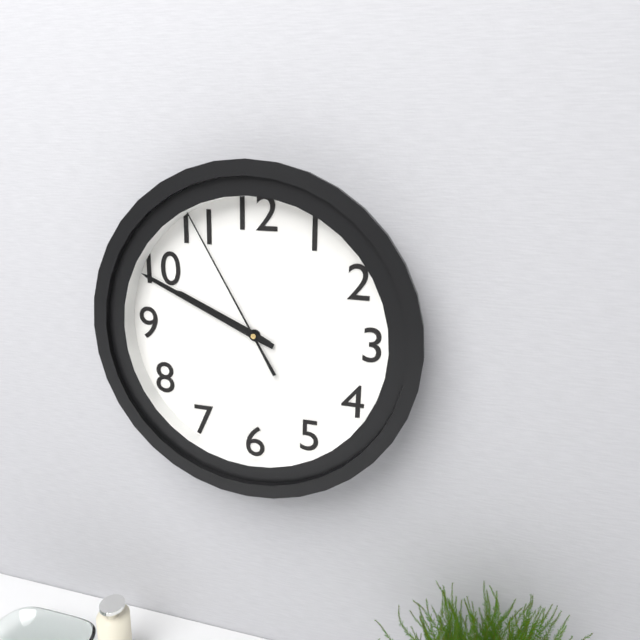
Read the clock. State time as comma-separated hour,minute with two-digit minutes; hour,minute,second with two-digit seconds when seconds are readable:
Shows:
9,49,55
